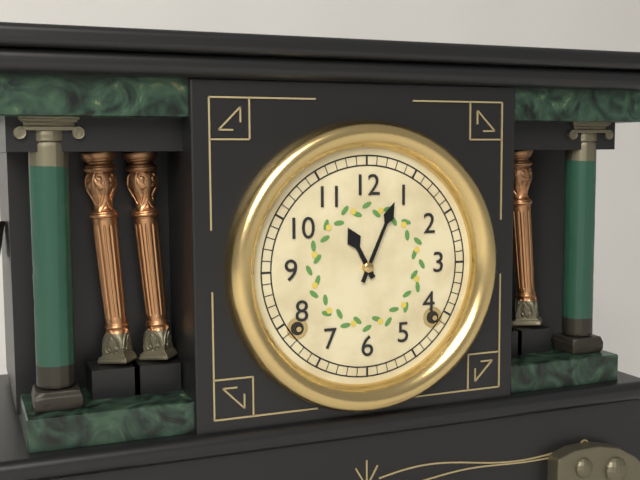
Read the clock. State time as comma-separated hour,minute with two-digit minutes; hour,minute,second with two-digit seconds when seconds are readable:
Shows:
11,04
